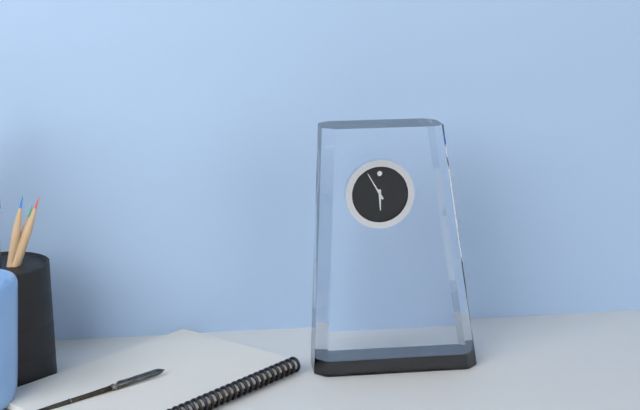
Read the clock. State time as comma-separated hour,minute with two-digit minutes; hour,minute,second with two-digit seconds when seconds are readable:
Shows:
5,55
